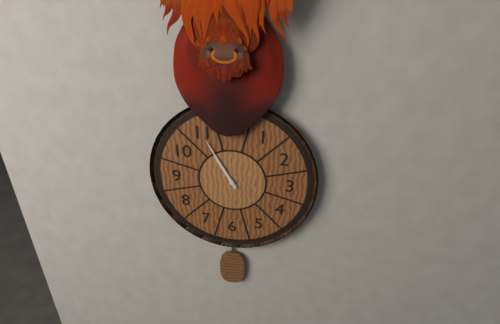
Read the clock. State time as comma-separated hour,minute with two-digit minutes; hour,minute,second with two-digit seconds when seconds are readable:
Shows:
10,55
